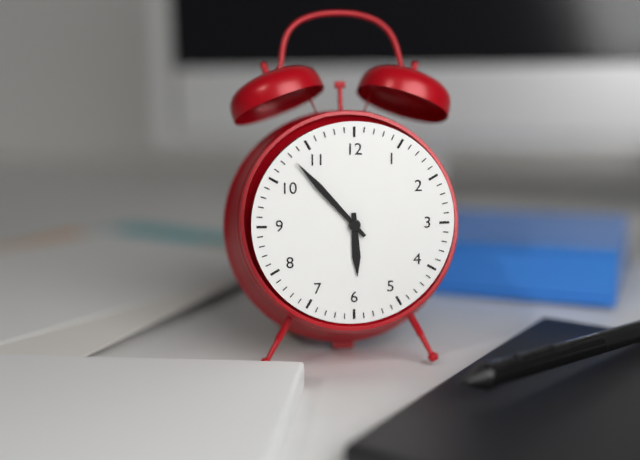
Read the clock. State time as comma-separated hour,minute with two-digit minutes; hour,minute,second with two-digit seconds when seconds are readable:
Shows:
5,53
